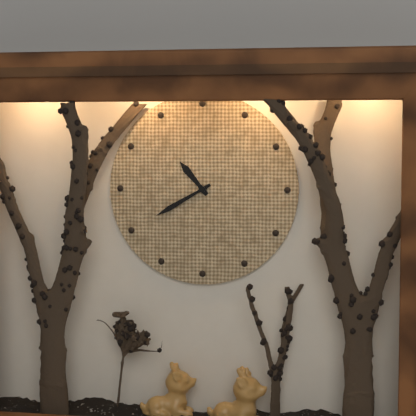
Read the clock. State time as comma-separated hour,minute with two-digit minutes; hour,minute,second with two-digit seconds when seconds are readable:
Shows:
10,40
